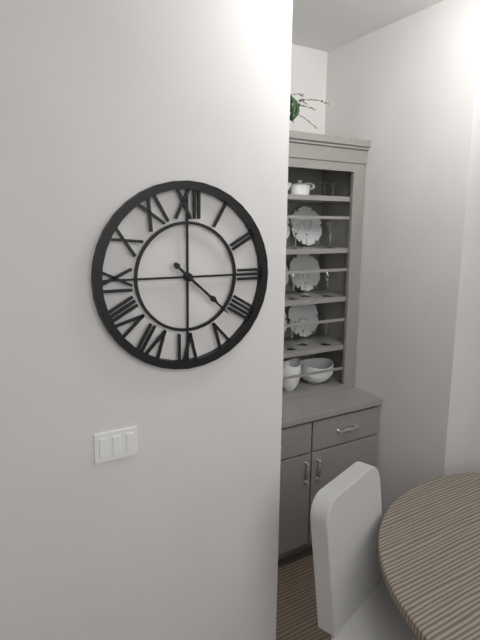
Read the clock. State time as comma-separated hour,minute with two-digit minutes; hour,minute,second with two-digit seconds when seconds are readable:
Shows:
4,22
